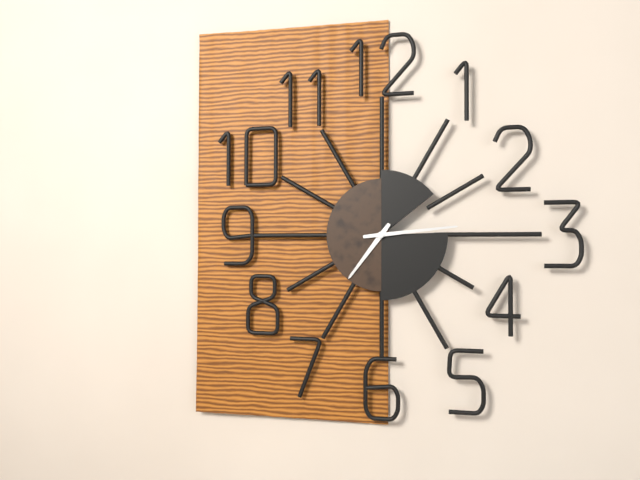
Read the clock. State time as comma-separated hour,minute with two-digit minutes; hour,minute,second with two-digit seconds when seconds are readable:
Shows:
7,14
